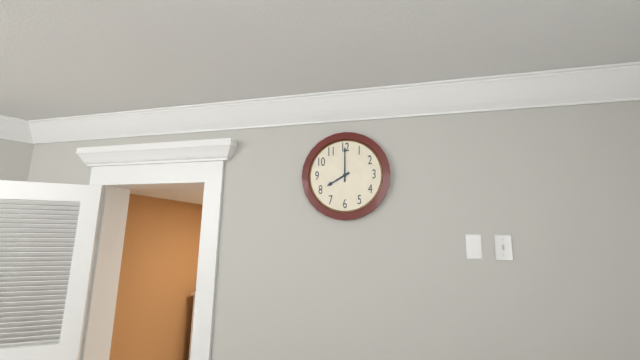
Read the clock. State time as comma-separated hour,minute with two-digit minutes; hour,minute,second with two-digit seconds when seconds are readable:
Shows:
8,00
